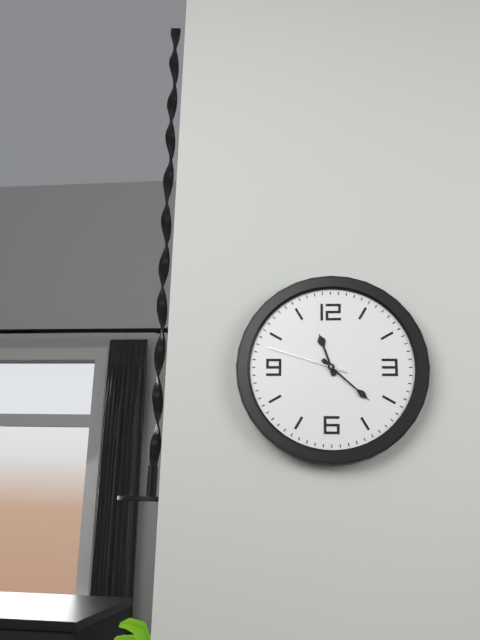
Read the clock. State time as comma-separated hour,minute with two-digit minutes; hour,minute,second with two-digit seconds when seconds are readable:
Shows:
11,22,48
